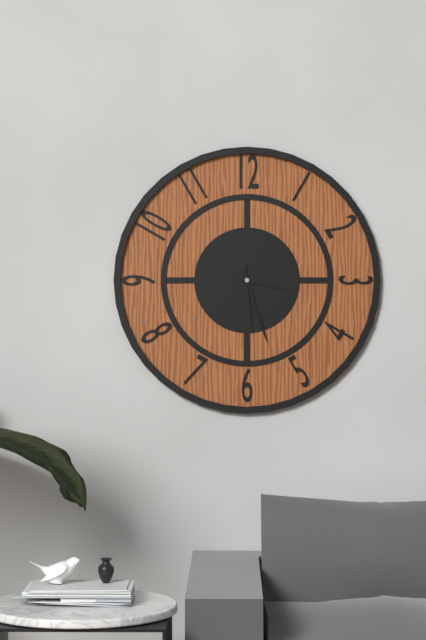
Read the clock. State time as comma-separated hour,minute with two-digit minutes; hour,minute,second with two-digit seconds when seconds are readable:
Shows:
3,27,29
